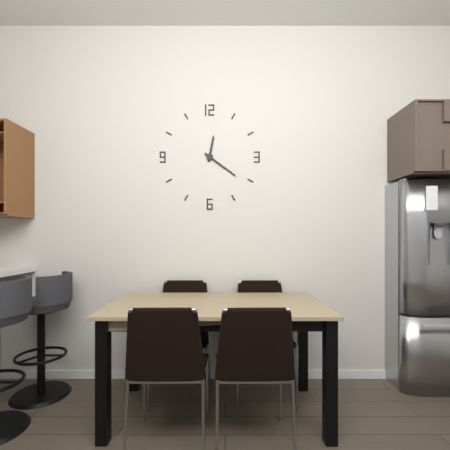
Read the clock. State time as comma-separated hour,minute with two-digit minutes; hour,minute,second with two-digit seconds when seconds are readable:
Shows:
12,21
